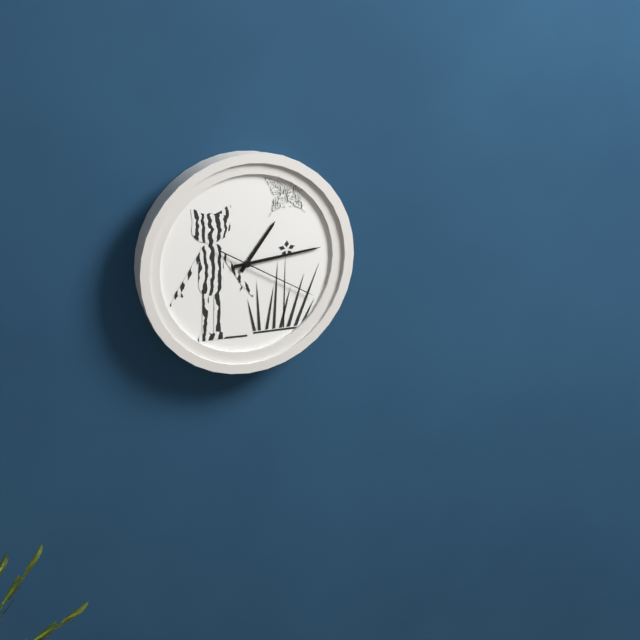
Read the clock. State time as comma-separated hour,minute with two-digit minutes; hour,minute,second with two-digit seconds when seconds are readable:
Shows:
1,14,20
